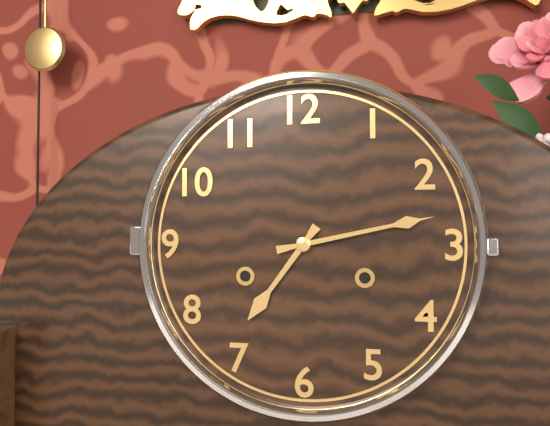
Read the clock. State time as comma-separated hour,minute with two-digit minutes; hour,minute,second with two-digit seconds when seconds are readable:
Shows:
7,13
